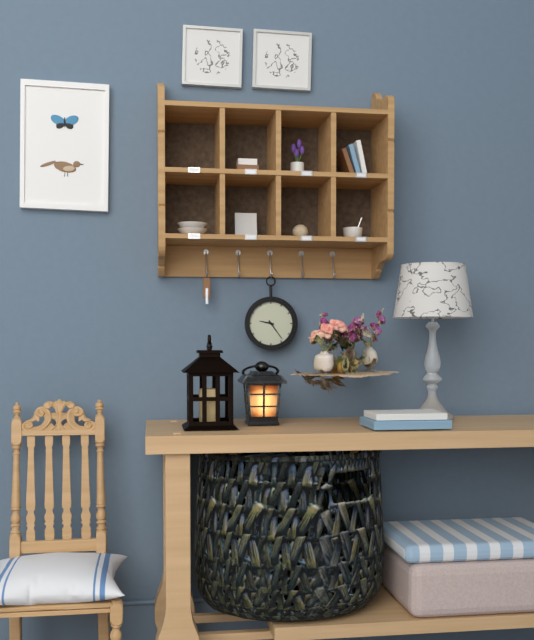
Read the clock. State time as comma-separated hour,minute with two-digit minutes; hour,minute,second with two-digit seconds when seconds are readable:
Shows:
9,24
